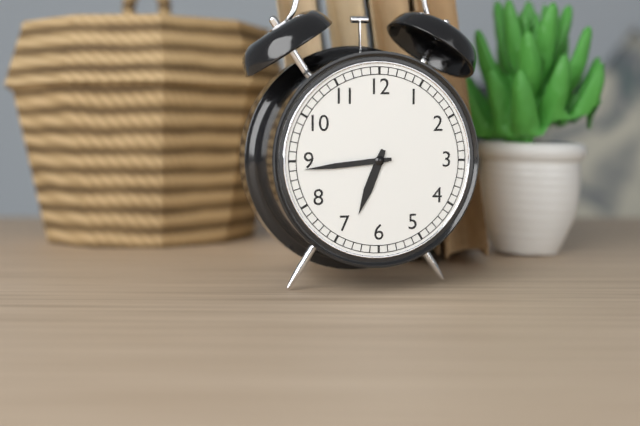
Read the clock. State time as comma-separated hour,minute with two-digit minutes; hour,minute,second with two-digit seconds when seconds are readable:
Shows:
6,44
